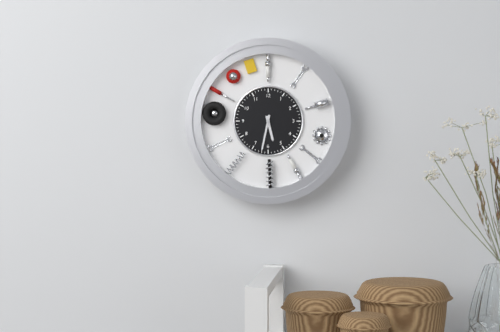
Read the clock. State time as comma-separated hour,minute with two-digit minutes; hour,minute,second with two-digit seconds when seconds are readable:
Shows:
5,32
